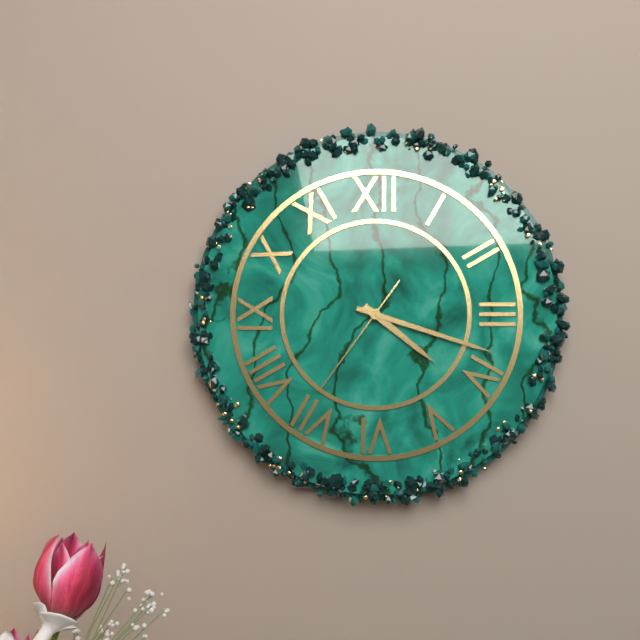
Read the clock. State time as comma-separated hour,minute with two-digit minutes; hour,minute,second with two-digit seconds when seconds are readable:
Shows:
4,18,36
